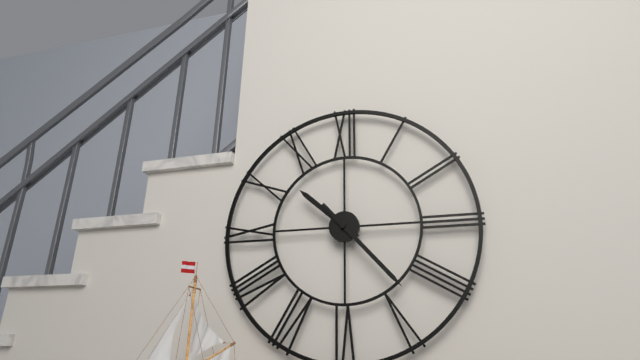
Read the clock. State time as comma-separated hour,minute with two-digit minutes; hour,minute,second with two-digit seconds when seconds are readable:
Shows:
10,23
